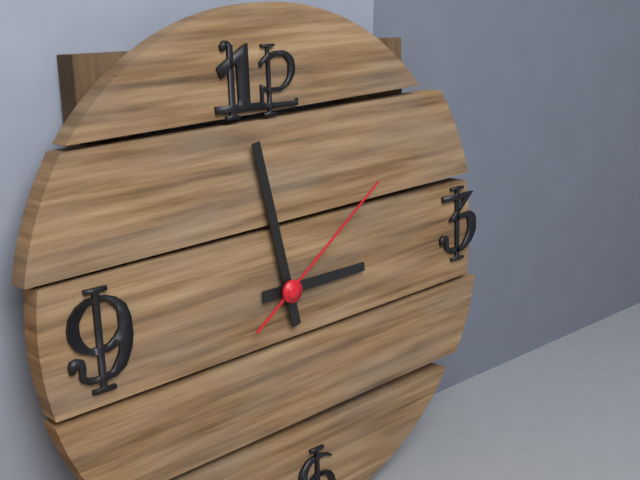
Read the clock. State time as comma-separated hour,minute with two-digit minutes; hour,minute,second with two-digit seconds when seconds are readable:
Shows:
2,58,09
